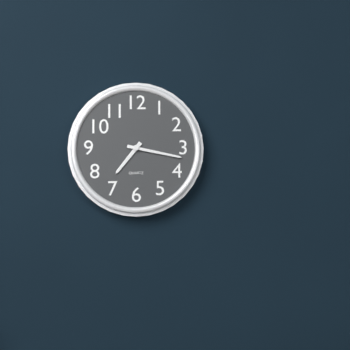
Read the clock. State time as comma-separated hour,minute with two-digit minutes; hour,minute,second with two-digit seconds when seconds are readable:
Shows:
7,17
